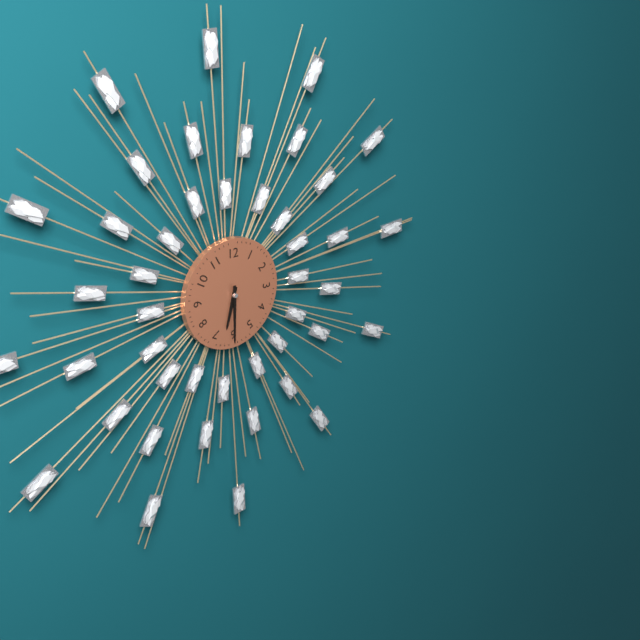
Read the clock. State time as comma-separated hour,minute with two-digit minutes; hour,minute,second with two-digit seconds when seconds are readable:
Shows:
6,30
